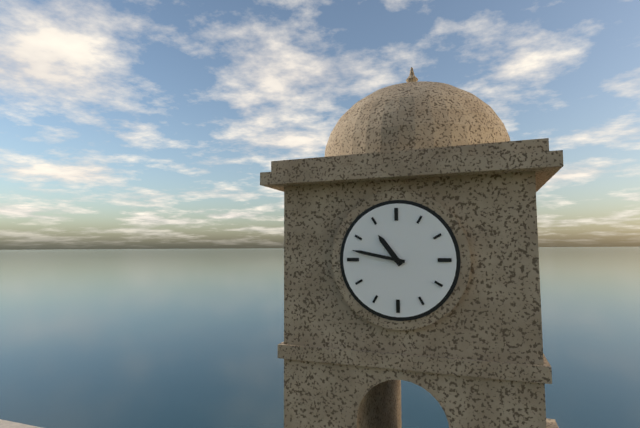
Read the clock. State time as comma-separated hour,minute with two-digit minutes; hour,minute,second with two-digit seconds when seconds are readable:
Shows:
10,47
